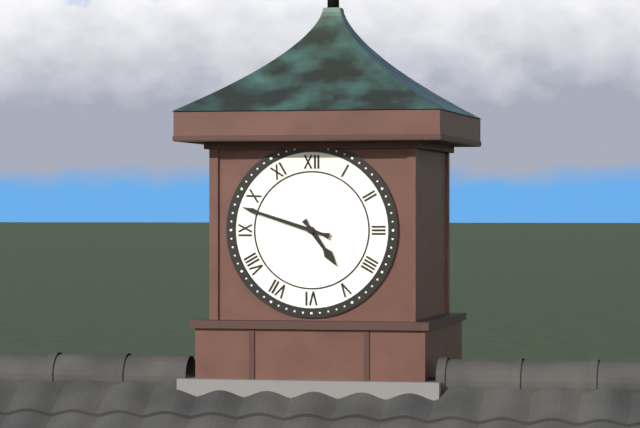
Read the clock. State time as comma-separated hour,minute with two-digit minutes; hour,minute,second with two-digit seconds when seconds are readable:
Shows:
4,48
